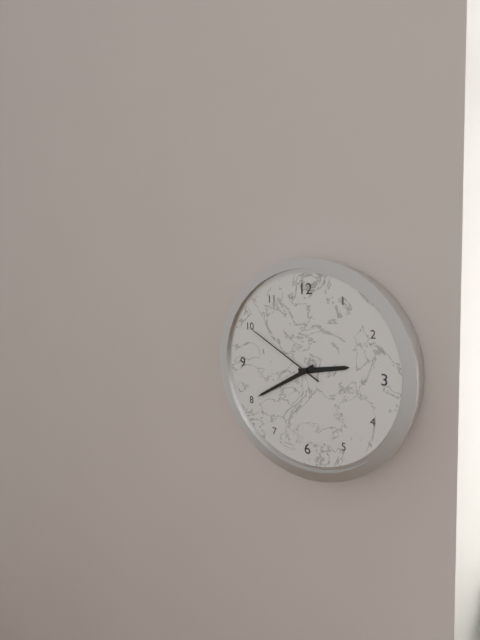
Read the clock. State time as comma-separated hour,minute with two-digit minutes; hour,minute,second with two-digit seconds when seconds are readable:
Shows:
2,40,50
